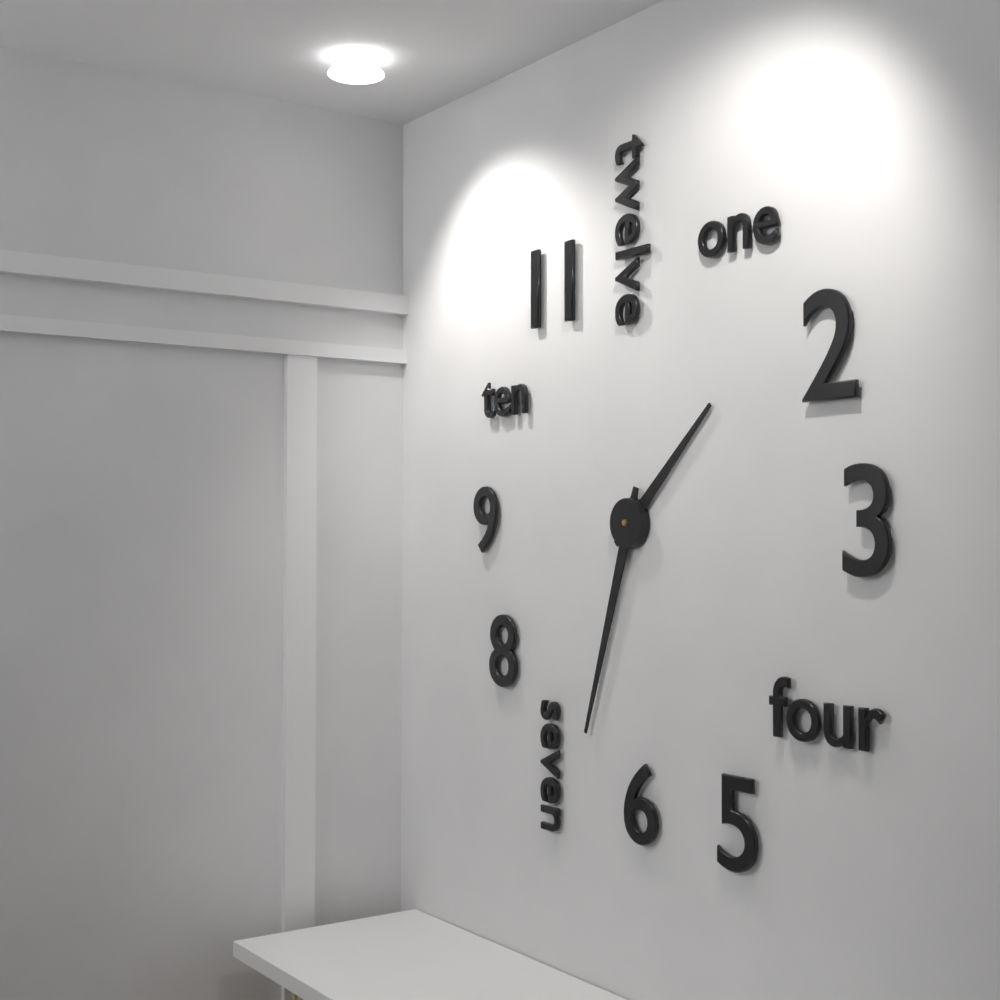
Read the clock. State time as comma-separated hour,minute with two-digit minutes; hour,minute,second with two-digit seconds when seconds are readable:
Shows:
1,33
